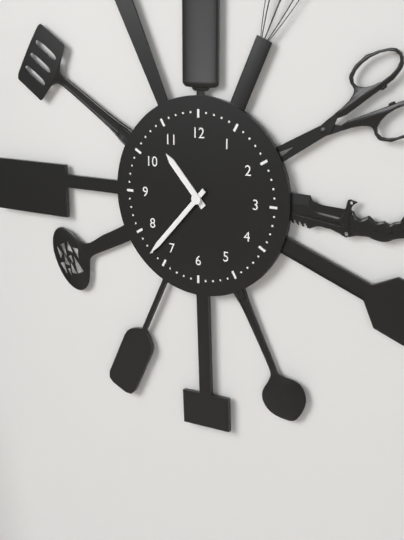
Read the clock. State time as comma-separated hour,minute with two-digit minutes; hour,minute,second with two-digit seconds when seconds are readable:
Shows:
10,37
